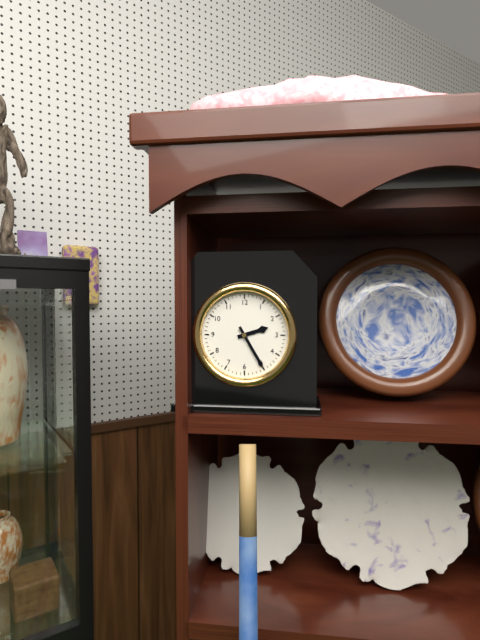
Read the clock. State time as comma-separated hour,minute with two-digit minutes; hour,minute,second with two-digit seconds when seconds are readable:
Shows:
2,25
